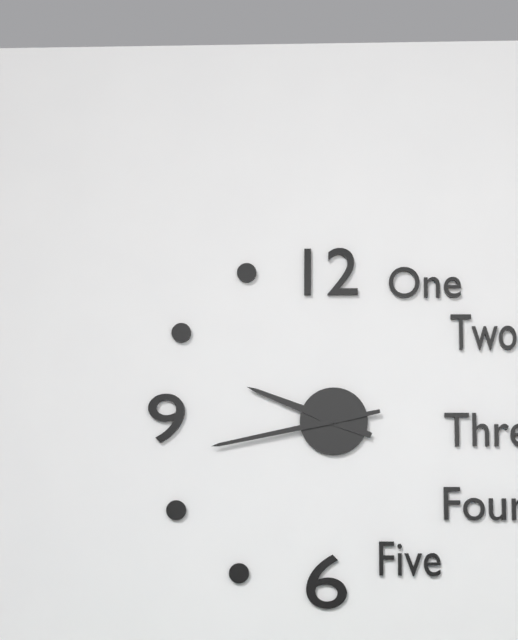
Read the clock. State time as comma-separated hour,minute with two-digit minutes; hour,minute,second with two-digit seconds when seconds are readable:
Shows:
9,43
